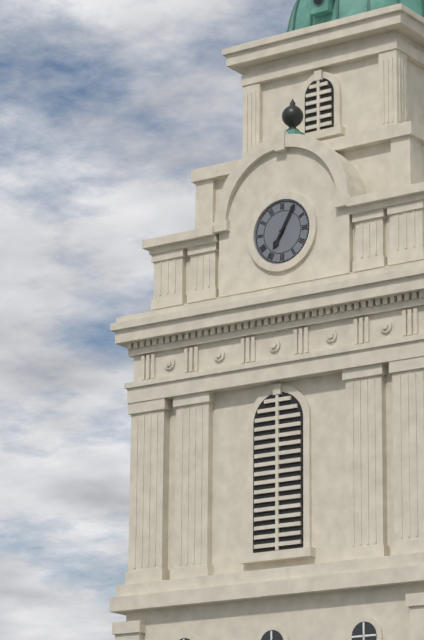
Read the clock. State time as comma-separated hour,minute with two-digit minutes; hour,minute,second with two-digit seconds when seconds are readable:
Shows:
7,05
